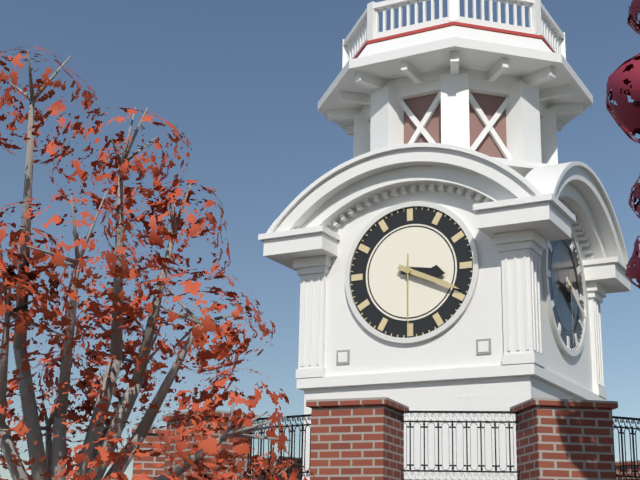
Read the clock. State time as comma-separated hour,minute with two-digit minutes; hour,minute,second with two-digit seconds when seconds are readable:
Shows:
3,19,30
